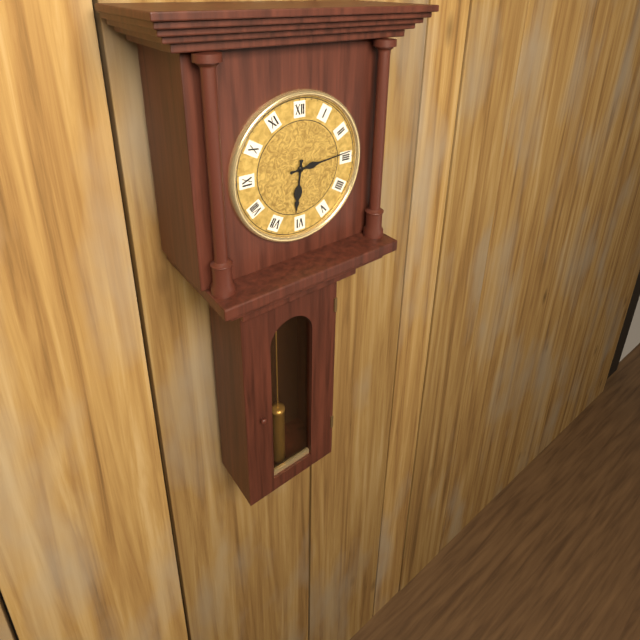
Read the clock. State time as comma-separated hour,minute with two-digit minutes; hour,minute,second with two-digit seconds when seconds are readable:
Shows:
6,14
